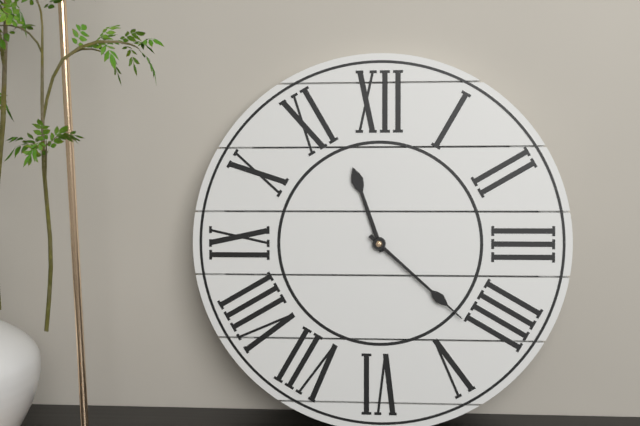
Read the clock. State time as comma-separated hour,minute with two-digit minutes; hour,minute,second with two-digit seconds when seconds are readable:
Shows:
11,22
